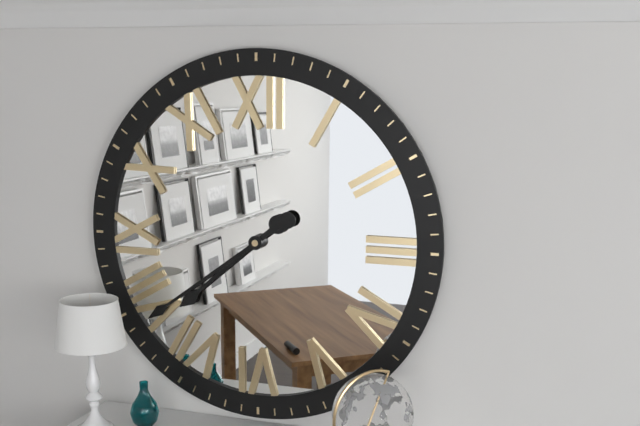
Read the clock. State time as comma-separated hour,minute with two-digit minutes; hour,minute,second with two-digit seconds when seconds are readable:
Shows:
7,39
